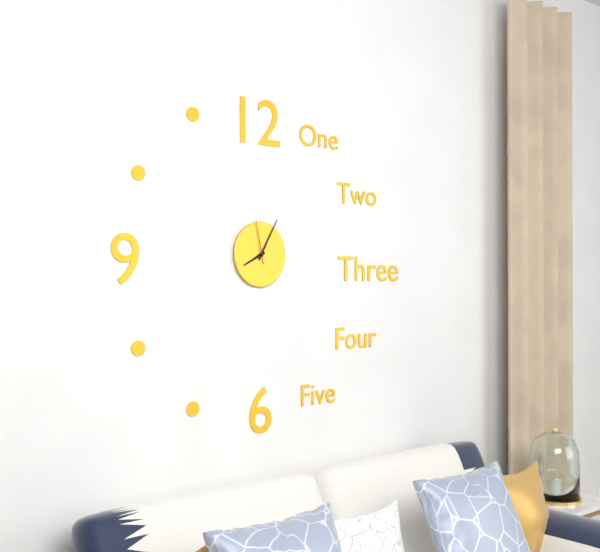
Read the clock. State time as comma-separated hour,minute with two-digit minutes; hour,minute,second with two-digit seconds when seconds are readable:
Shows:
8,05
